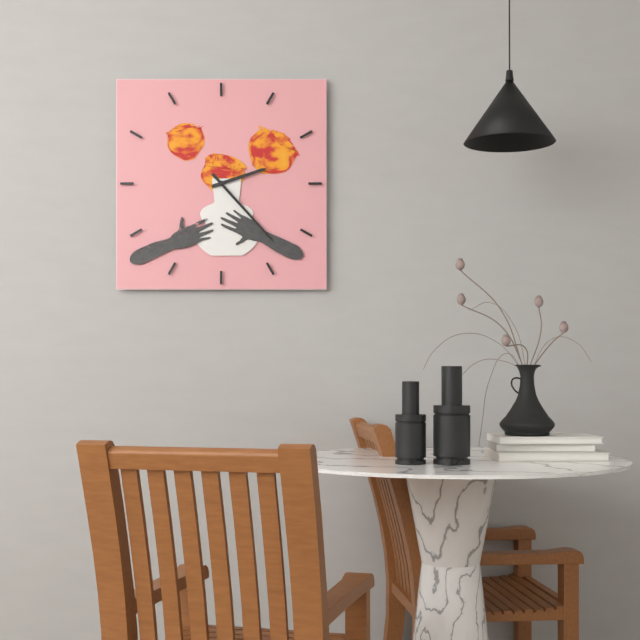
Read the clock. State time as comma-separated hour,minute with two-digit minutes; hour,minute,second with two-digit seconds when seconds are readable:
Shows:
2,23
